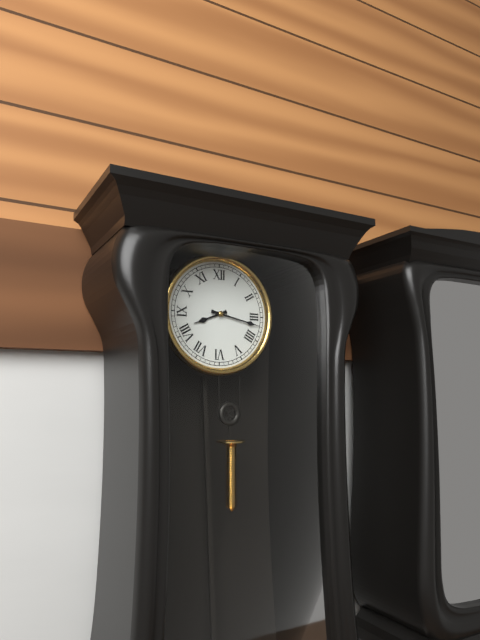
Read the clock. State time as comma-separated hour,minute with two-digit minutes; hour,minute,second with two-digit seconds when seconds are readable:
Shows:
8,17
